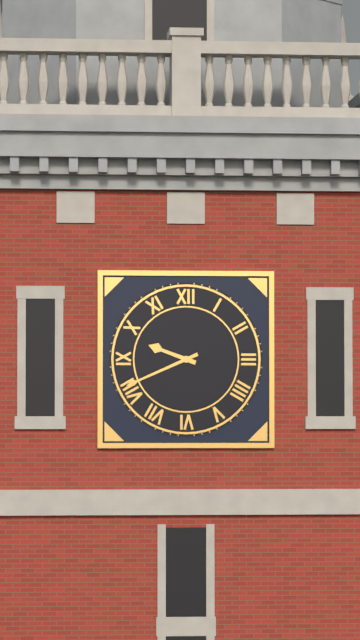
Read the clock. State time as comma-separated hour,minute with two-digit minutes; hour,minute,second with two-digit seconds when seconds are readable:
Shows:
9,41
